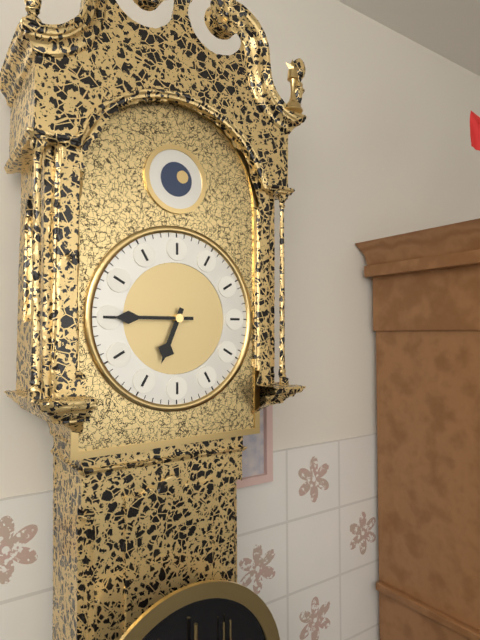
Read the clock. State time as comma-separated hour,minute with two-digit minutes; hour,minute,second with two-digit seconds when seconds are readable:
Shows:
6,45
